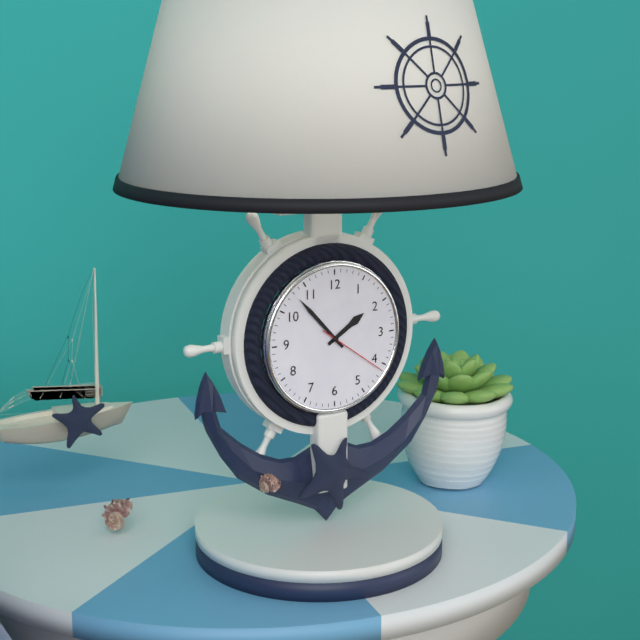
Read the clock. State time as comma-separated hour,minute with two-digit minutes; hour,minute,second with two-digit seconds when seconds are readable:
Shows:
1,53,21
